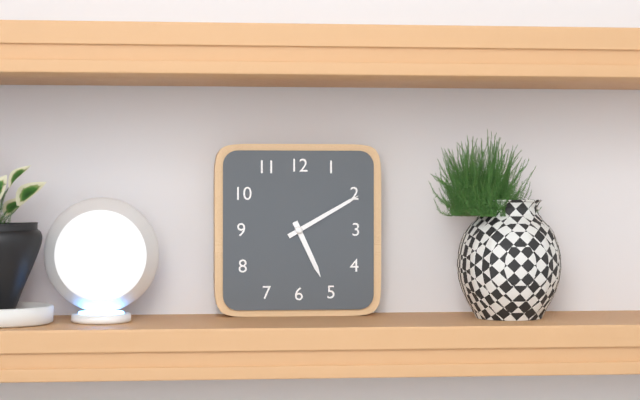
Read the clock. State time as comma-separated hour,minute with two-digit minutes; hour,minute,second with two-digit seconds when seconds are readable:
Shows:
5,10
